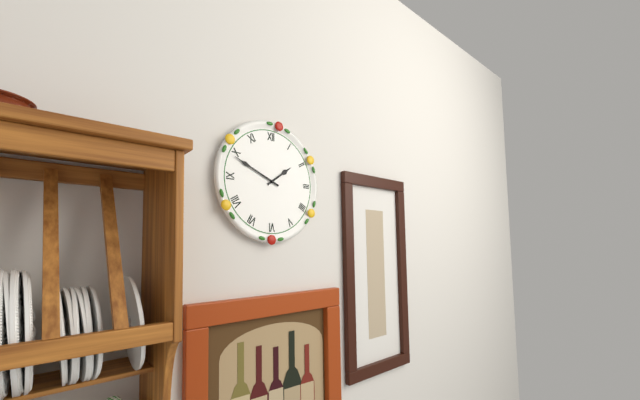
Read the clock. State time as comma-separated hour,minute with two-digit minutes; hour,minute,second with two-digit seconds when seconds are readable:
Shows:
1,49
